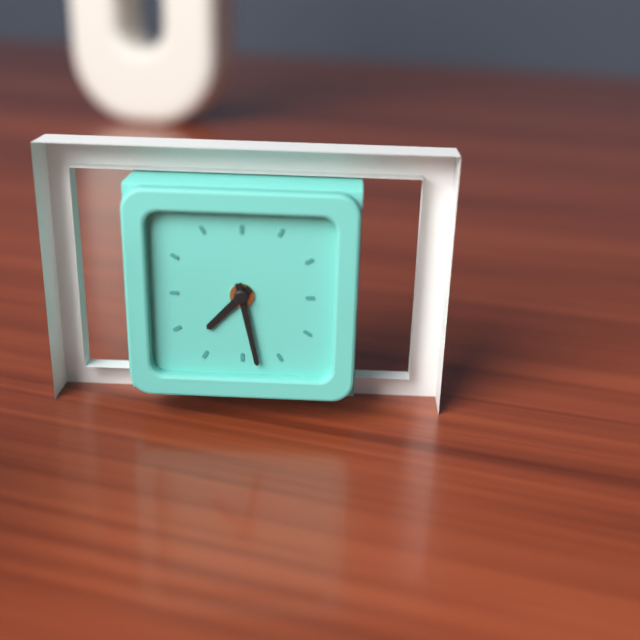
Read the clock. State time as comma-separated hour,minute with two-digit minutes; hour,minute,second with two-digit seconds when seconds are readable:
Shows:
7,28
